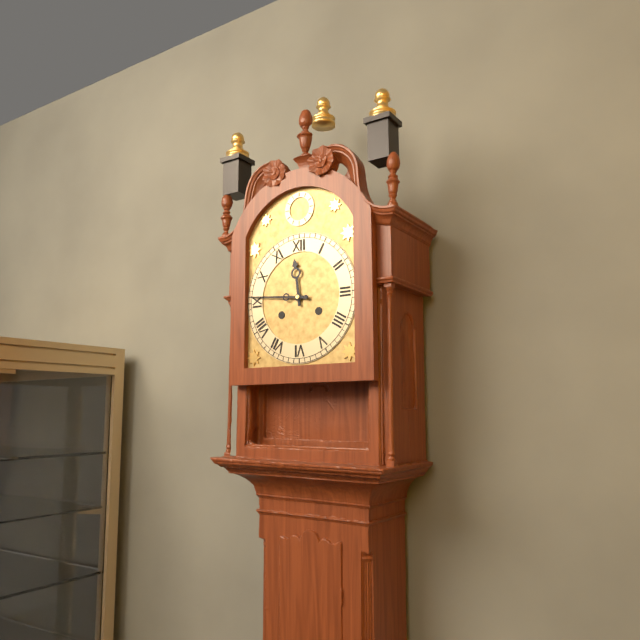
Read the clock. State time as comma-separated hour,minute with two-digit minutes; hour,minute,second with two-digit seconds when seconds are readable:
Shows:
11,46
